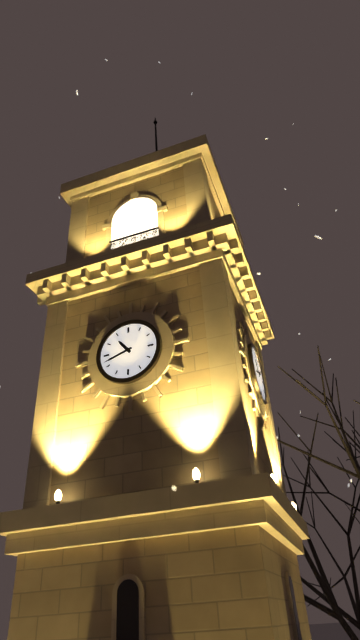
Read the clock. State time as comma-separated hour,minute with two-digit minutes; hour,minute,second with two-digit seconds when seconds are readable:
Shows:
10,42
